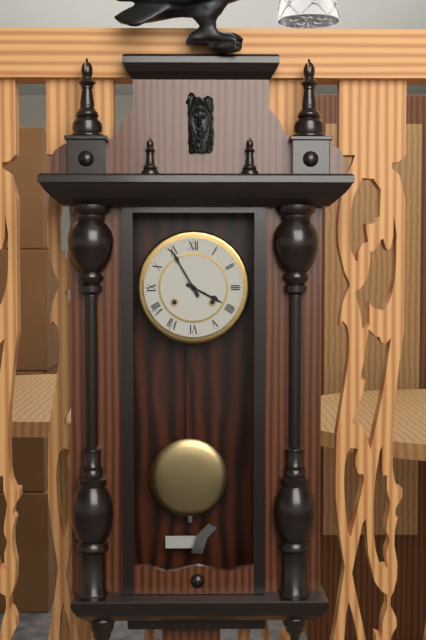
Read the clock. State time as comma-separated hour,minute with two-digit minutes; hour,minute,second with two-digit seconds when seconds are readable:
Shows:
3,55
